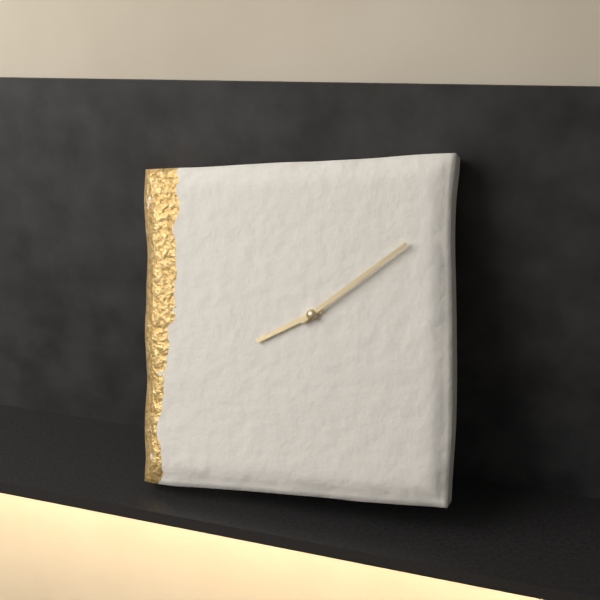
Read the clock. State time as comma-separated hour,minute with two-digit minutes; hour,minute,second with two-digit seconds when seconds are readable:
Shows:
8,09
